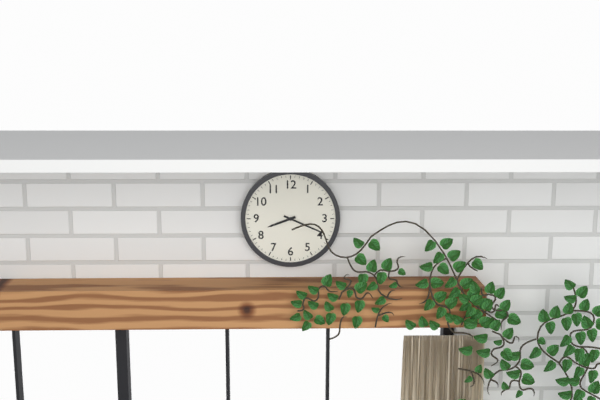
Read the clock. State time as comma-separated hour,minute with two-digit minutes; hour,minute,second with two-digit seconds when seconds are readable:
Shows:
8,19
